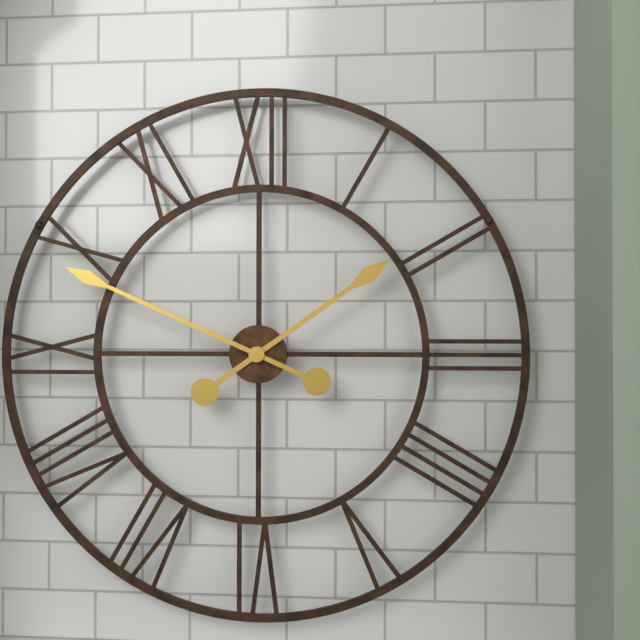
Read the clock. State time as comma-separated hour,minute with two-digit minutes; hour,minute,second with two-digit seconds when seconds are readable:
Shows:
1,49
